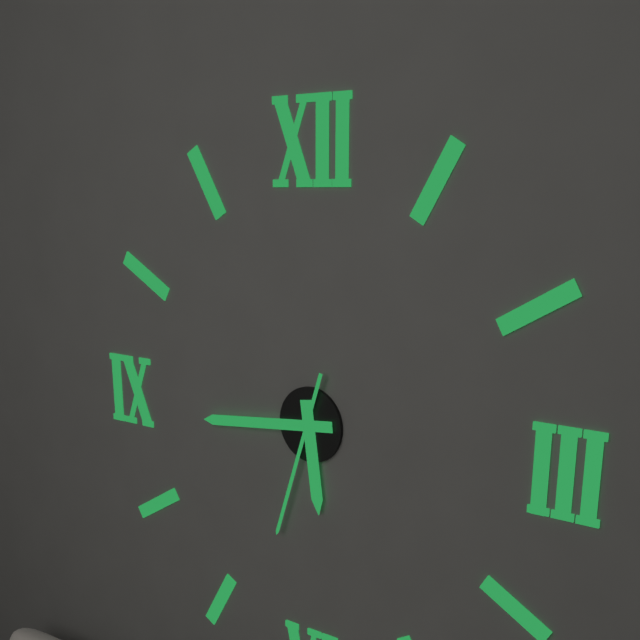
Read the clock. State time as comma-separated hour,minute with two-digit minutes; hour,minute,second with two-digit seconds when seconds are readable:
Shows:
5,44,33
